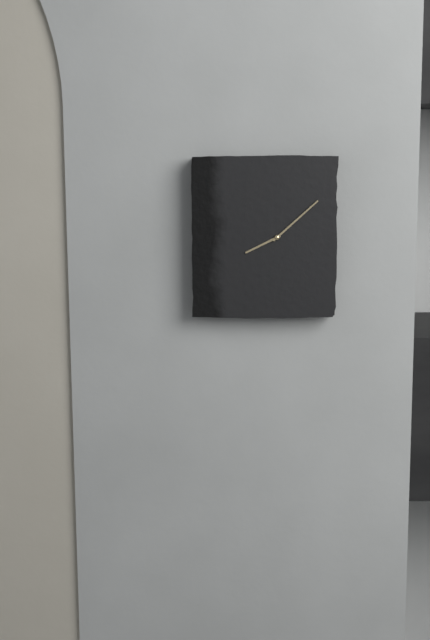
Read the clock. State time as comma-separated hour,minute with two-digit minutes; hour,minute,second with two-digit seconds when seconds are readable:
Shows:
8,08
